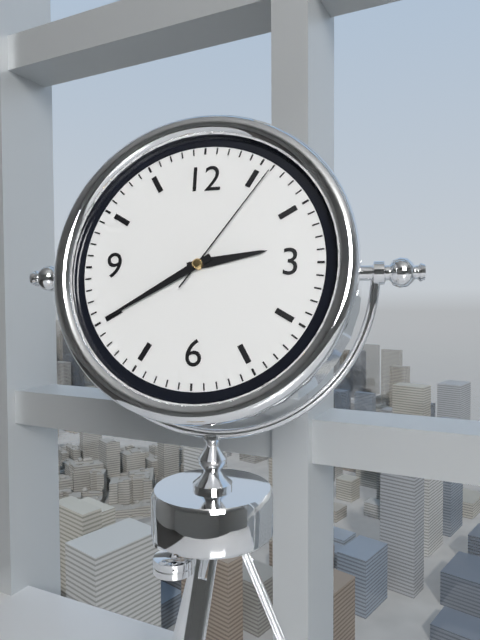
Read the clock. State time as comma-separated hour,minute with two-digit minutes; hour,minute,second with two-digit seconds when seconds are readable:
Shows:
2,40,06
